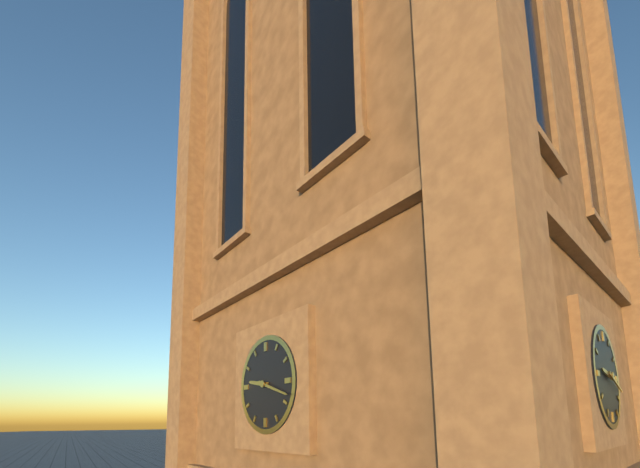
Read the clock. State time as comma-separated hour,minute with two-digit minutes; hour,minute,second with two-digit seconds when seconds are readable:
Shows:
9,18
